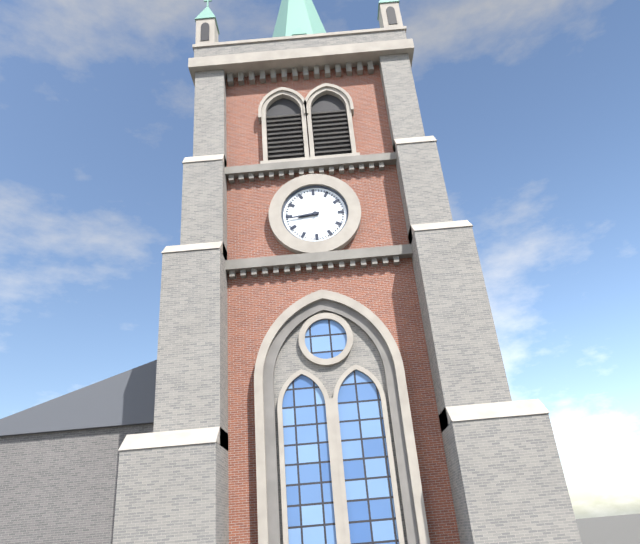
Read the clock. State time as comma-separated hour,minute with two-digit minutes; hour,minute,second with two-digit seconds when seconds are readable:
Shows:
8,44
